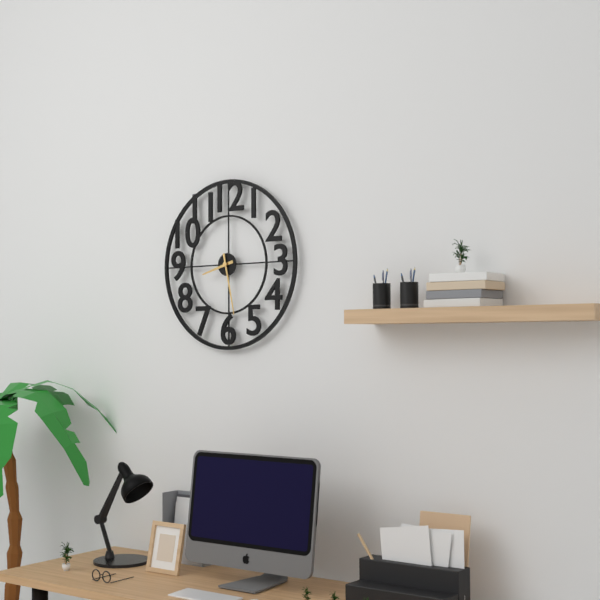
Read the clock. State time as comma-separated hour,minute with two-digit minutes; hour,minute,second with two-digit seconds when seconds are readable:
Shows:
8,28
